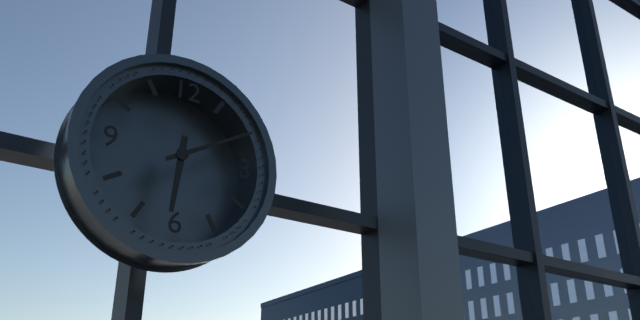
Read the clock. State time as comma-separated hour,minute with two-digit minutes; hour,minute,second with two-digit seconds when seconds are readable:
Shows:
6,10
